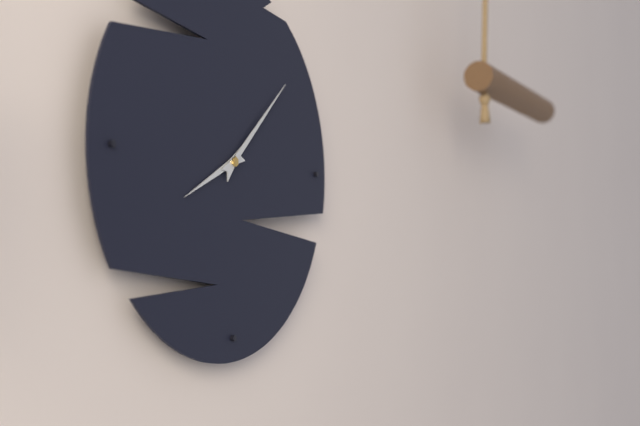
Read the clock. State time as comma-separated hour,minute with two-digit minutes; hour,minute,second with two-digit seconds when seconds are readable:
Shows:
8,08
